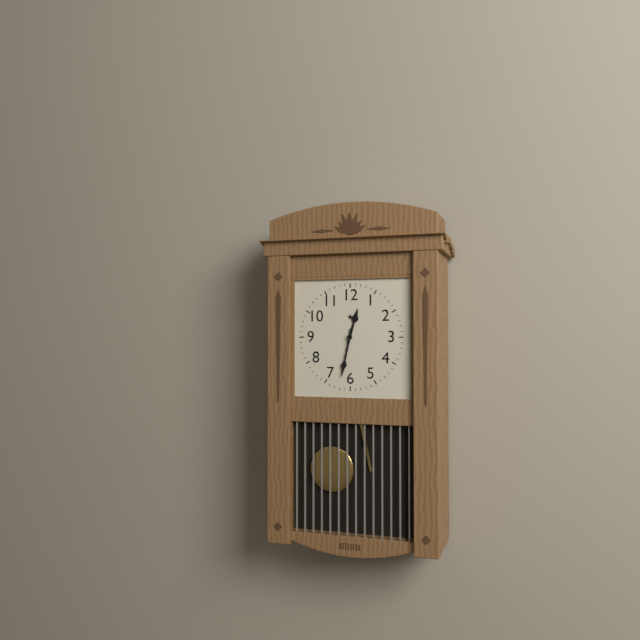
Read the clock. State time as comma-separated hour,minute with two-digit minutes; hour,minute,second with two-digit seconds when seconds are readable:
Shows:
12,32
